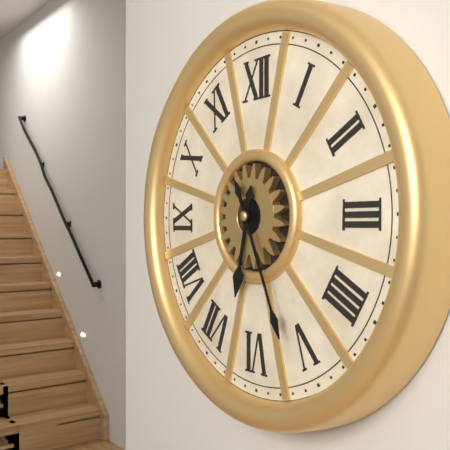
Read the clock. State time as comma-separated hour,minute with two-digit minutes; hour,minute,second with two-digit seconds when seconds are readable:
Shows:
6,26
